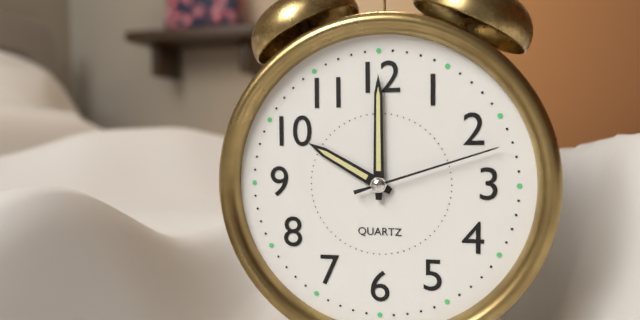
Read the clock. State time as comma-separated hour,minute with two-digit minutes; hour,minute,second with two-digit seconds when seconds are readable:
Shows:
10,00,12
